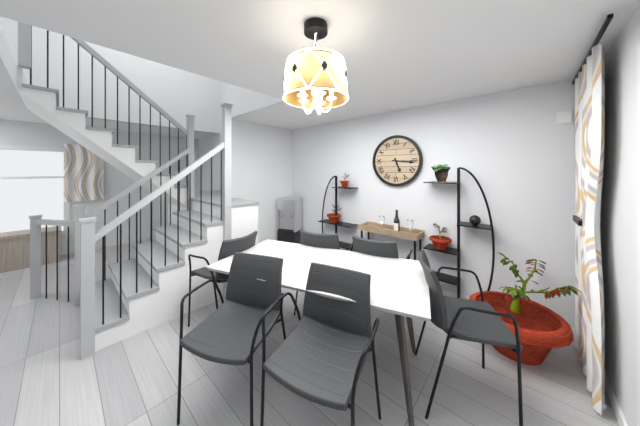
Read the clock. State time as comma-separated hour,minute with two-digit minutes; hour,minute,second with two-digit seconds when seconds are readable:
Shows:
5,16
